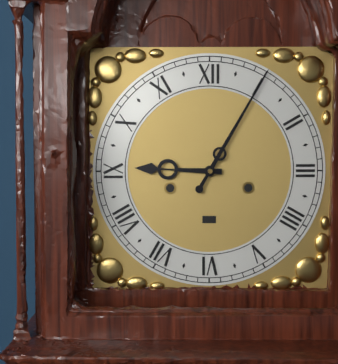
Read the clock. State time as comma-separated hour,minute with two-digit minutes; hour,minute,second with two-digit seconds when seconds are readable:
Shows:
9,05
